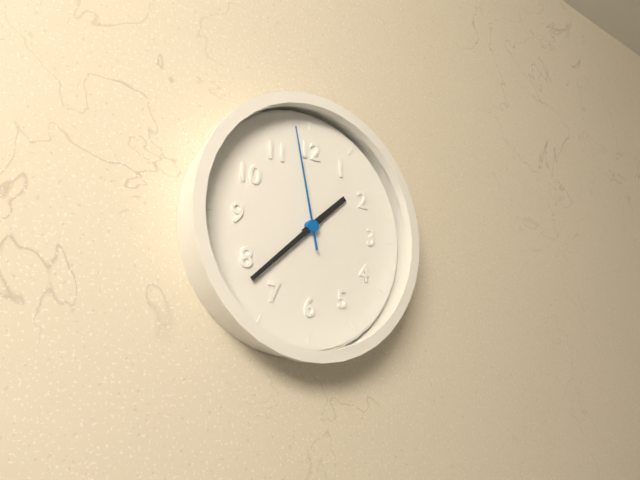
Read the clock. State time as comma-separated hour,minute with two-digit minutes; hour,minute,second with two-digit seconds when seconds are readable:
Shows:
1,38,58
